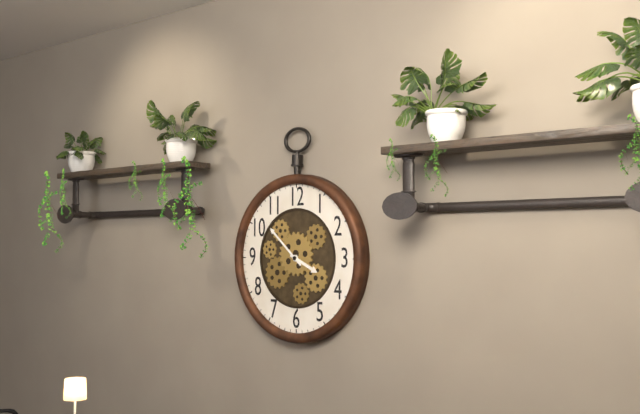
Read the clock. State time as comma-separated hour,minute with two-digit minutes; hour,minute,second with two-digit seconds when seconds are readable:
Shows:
3,52
